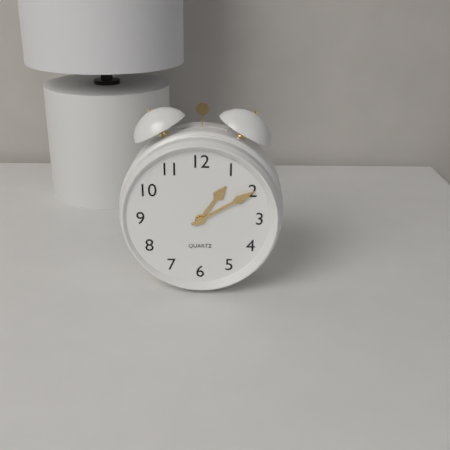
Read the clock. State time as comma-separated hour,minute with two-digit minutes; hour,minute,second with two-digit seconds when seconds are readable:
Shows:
1,10
